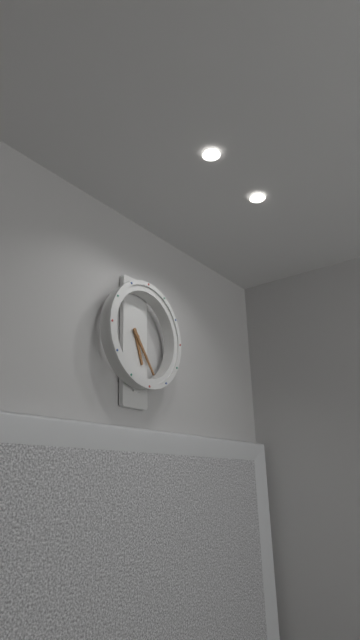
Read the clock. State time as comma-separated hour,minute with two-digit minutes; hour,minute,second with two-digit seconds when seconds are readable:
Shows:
5,24
